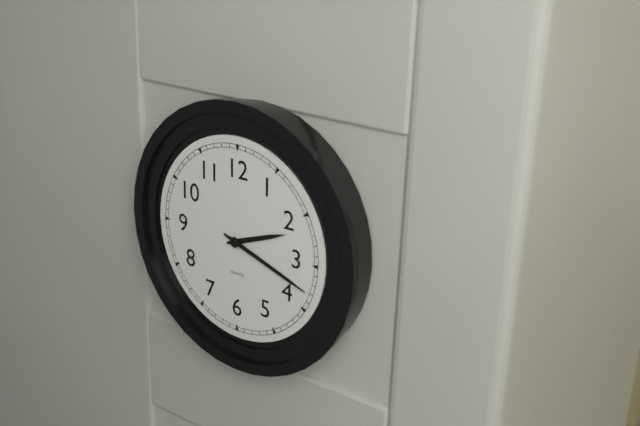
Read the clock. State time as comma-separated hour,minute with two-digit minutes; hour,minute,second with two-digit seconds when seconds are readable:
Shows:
2,18
